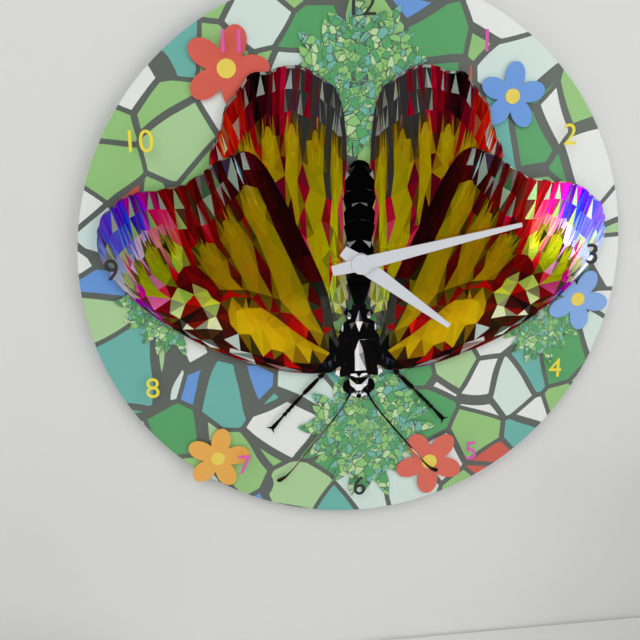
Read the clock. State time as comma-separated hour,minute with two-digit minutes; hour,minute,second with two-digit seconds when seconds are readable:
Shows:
4,13
